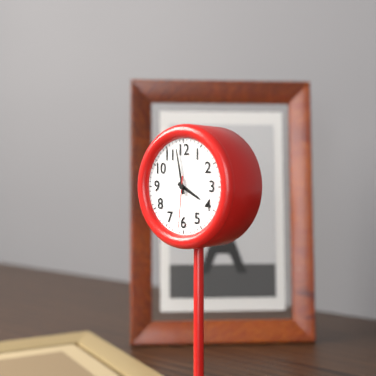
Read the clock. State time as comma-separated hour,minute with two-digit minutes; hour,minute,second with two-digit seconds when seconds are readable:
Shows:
3,58,31
